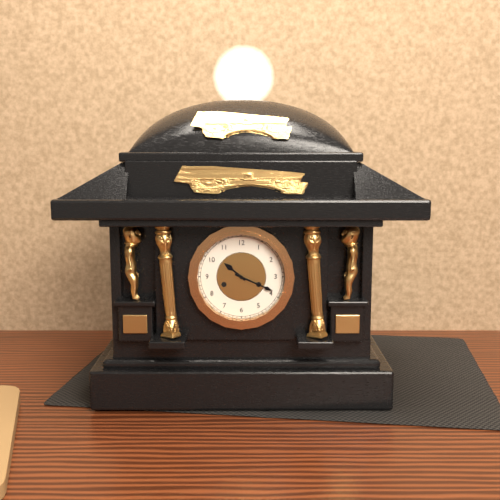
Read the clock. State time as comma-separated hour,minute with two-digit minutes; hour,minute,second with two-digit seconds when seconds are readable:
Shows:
10,19
